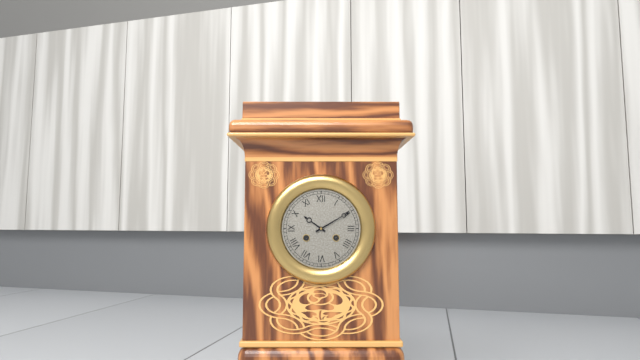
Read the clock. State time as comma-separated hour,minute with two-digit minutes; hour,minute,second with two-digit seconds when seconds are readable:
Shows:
10,10
